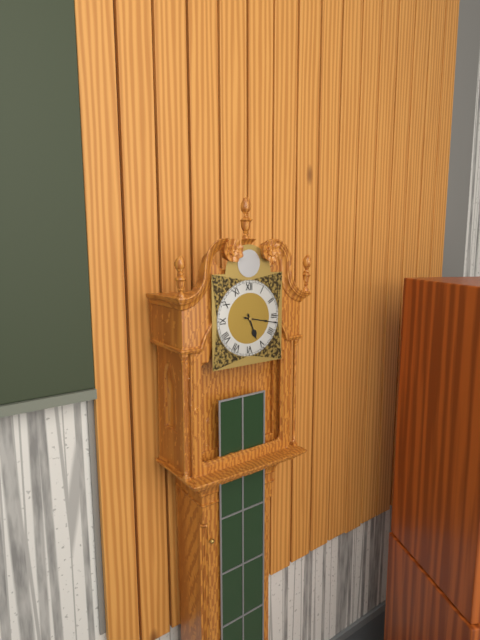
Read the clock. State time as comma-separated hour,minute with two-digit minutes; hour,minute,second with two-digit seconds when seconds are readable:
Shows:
5,17
